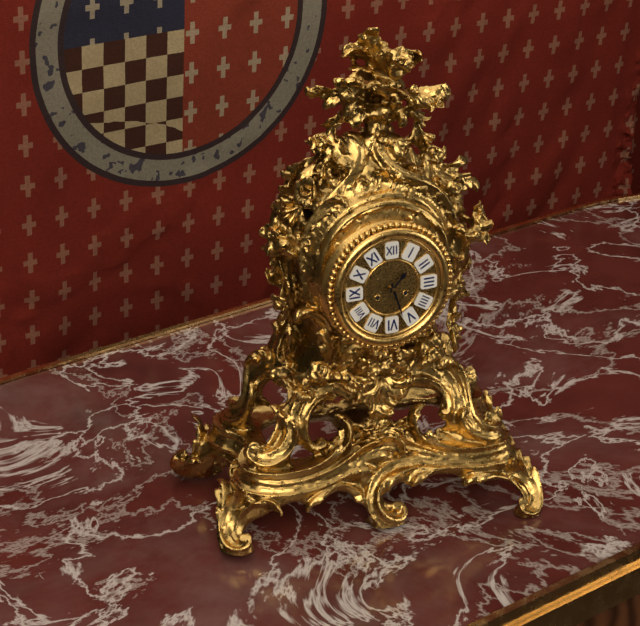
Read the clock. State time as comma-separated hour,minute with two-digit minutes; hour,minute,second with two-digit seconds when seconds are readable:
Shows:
1,27
